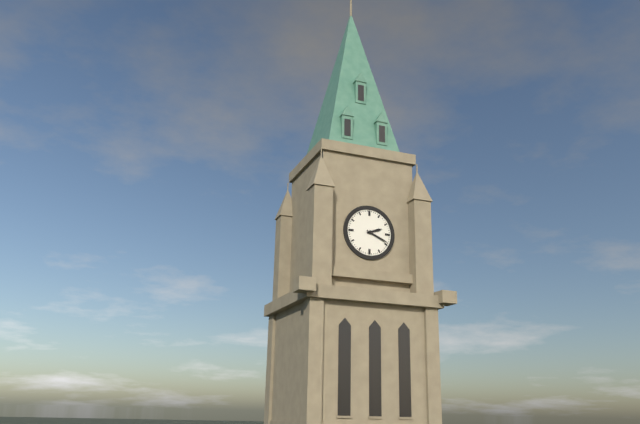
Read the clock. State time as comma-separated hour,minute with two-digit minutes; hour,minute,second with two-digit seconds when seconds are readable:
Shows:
2,19
